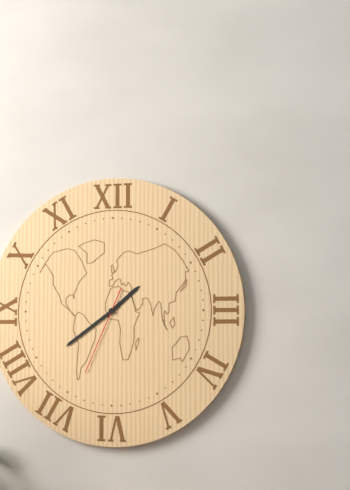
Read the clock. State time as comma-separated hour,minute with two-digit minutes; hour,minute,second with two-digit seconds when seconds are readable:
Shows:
1,39,34
